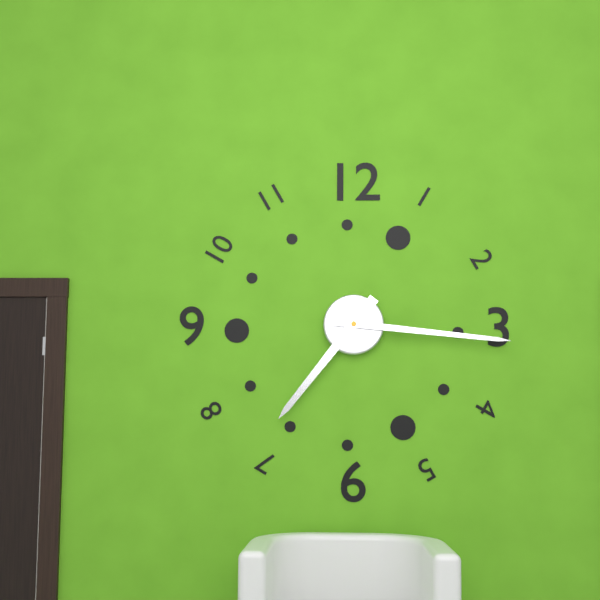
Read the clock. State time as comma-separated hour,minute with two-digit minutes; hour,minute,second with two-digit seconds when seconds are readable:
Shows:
7,16
